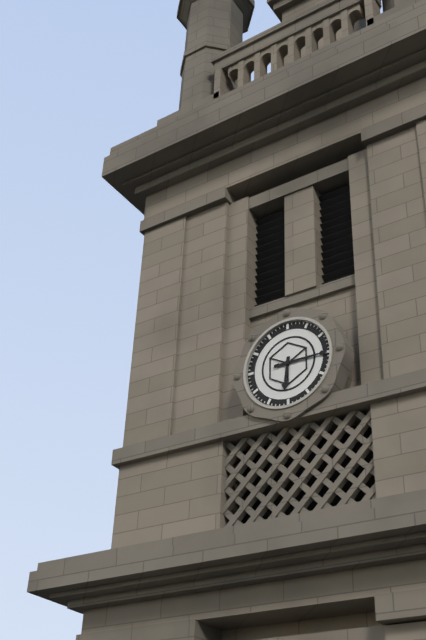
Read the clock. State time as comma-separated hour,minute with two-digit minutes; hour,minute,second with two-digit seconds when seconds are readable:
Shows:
6,15
